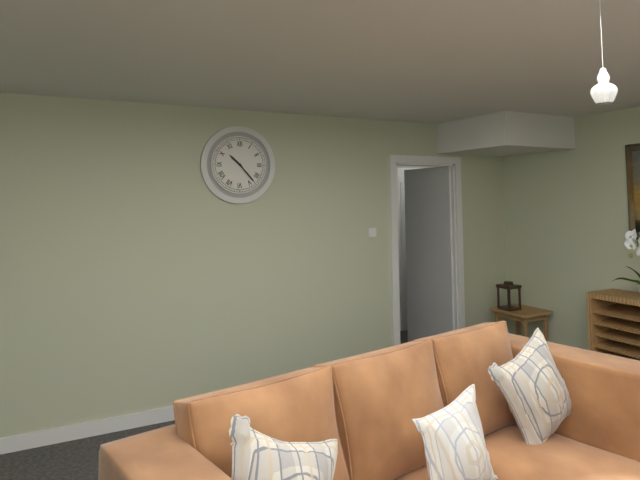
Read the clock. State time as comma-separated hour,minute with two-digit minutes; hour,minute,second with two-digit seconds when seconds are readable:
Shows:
10,23
